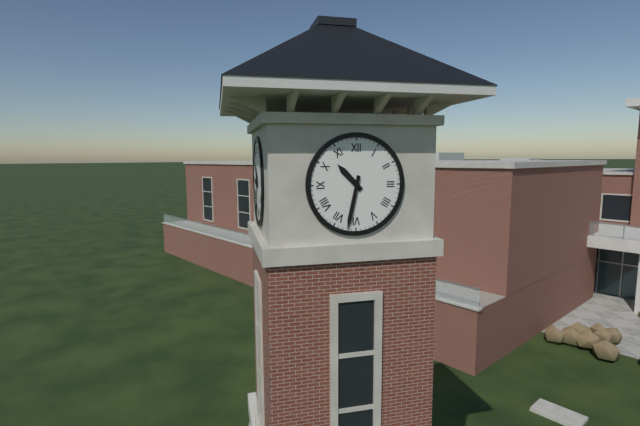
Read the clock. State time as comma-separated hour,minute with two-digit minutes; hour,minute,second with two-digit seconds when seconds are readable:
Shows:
10,32
